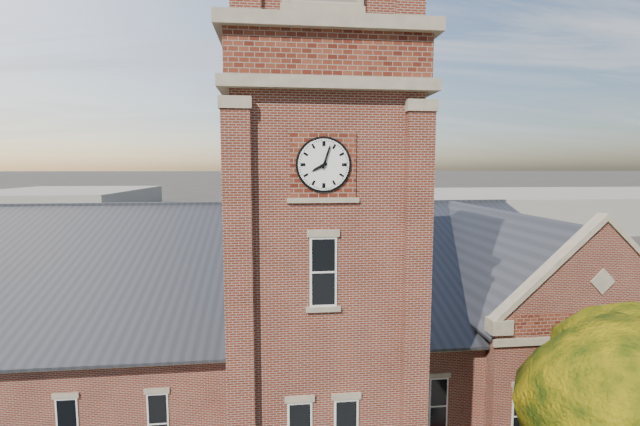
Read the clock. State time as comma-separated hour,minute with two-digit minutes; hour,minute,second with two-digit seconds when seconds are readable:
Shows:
8,03
